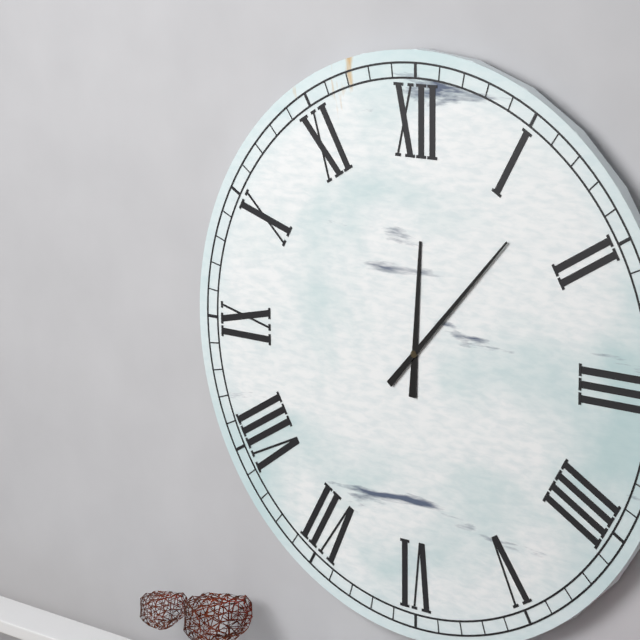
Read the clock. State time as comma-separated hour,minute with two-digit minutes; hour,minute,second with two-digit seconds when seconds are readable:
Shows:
12,07
